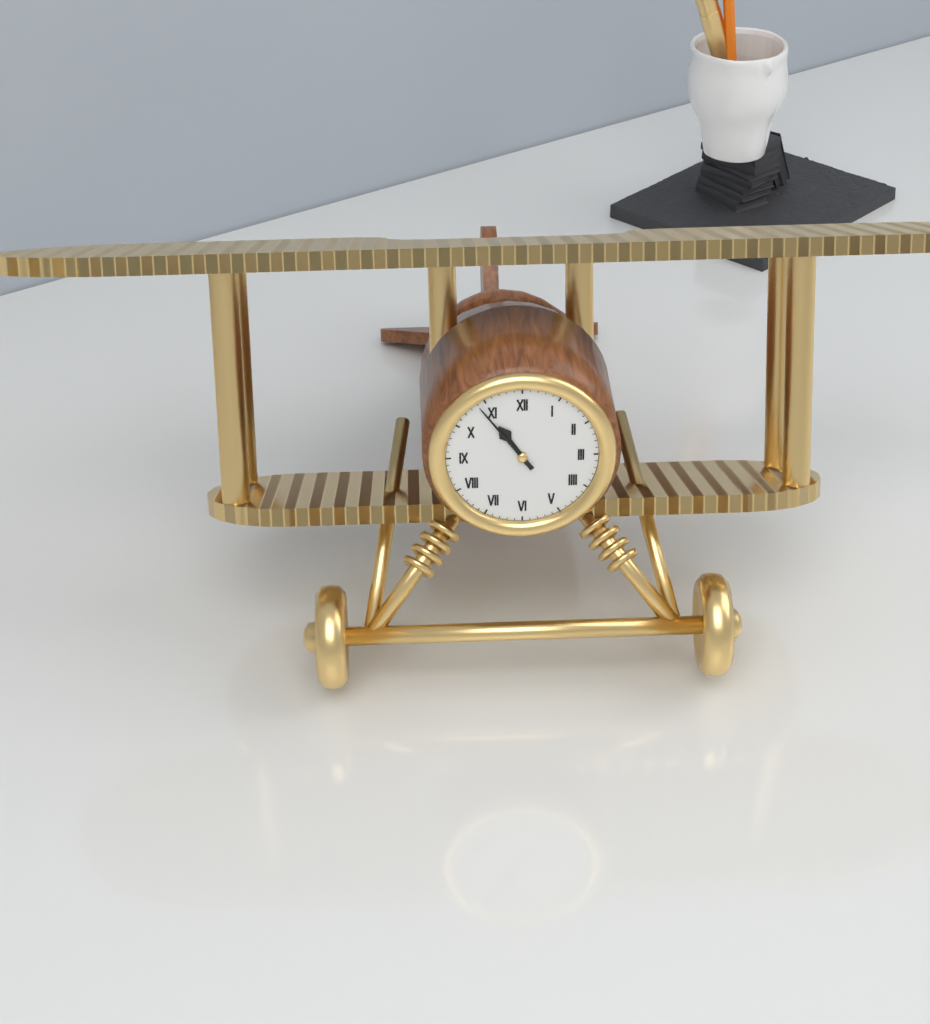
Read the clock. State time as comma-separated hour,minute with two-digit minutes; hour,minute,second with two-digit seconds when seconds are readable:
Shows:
10,54
